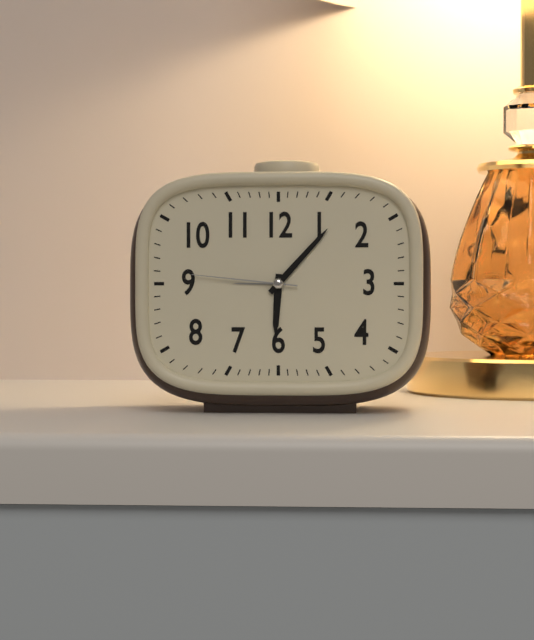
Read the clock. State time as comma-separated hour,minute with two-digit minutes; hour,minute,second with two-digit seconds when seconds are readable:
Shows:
6,07,46
